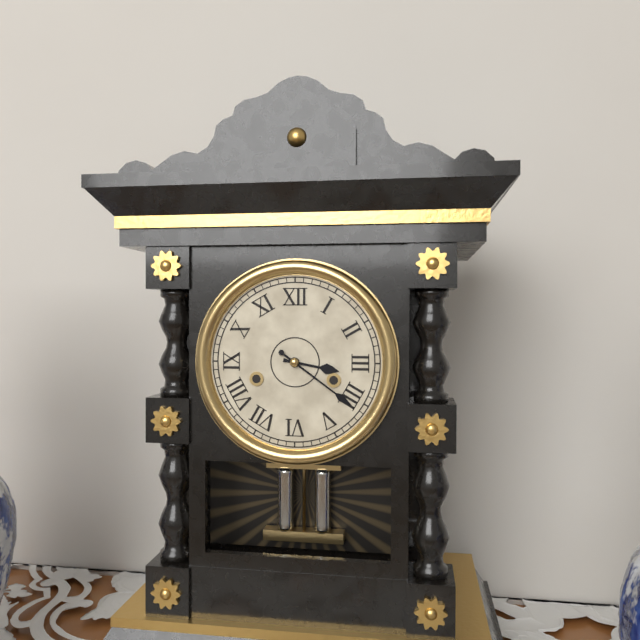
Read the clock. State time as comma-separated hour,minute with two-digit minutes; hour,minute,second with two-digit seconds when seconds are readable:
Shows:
3,21
